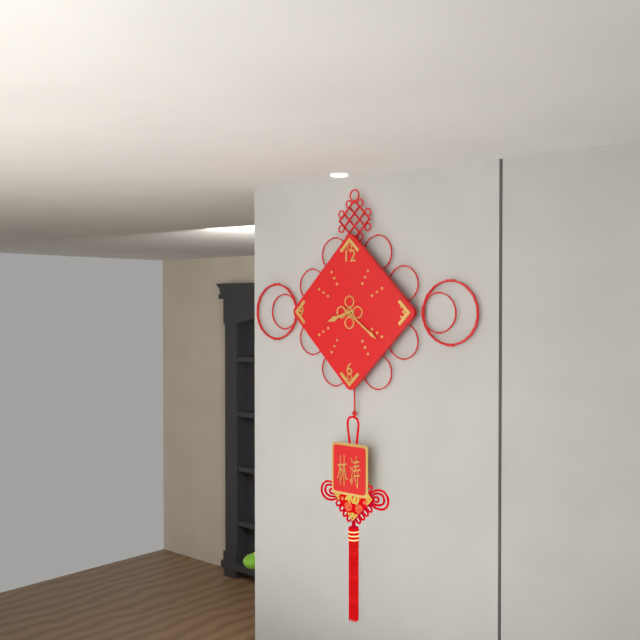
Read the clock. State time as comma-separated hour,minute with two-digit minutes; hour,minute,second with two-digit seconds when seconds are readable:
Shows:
8,21
